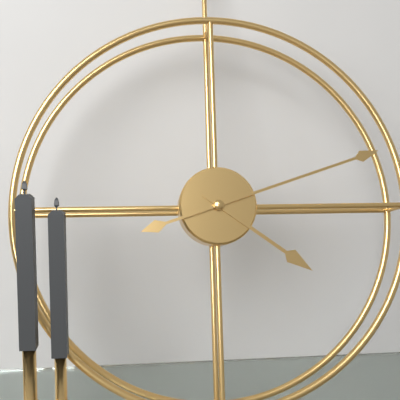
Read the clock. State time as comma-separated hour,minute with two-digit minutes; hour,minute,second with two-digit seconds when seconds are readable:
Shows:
4,12
